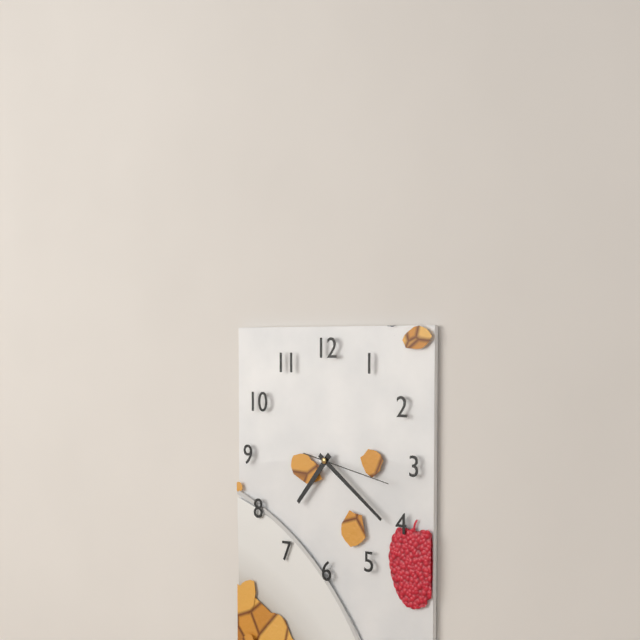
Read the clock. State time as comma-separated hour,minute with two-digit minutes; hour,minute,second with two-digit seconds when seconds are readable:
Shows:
7,21,17
